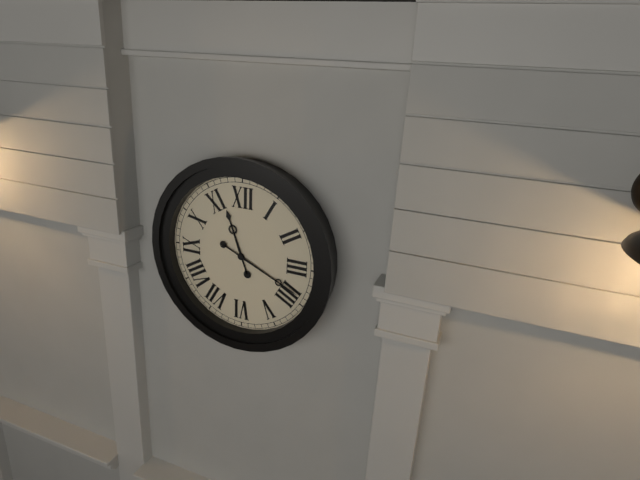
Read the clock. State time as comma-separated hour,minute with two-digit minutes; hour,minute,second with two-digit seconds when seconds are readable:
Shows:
11,19
